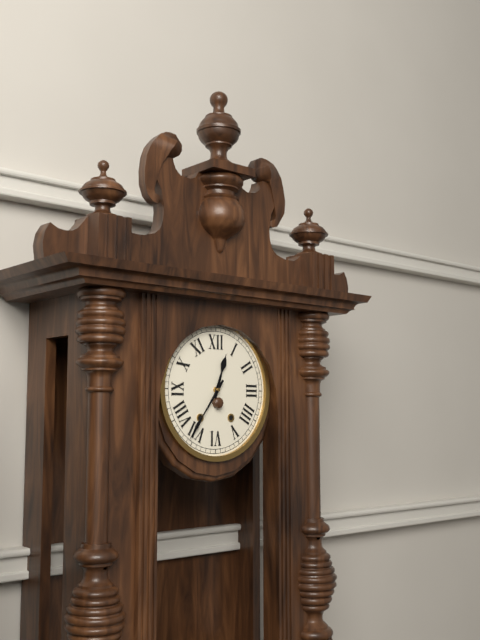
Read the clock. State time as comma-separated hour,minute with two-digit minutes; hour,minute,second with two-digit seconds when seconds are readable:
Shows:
12,36
